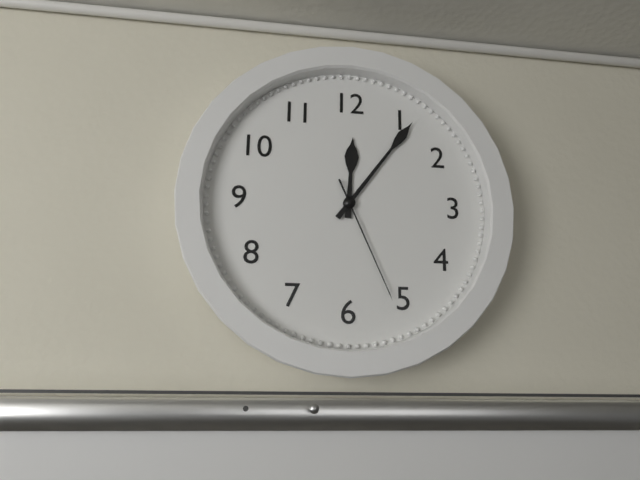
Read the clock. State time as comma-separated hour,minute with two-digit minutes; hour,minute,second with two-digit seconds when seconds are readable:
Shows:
12,06,26
